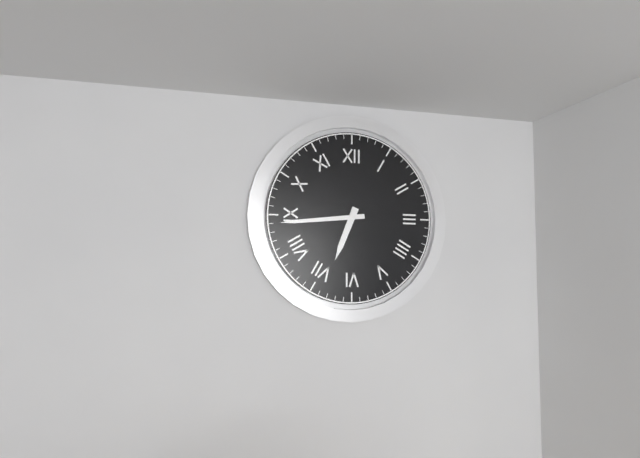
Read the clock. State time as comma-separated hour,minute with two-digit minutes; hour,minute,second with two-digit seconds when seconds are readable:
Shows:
6,44
